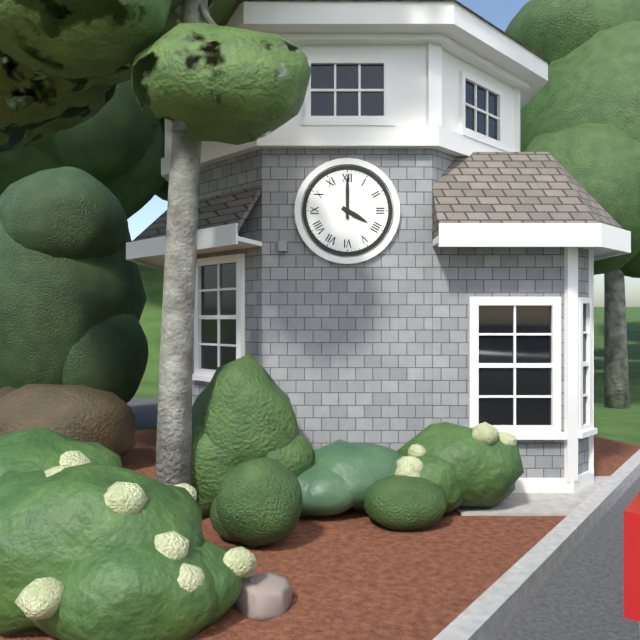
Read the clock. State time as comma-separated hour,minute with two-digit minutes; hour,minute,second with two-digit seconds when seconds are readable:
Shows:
4,00
